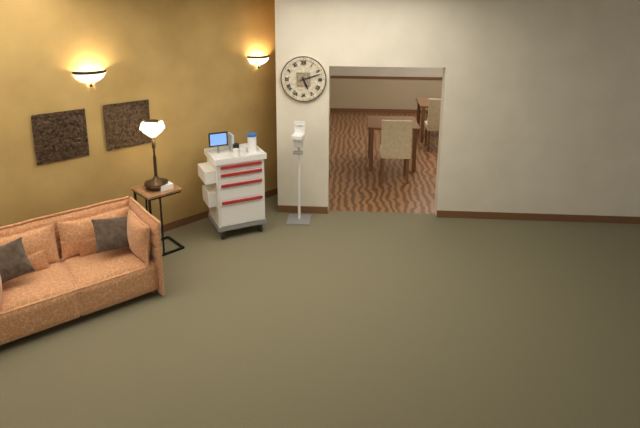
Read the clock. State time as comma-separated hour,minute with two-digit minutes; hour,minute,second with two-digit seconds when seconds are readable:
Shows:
5,12
